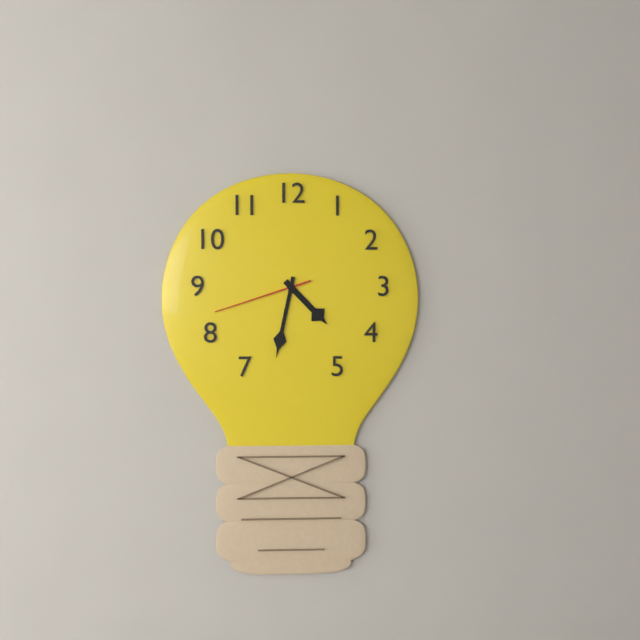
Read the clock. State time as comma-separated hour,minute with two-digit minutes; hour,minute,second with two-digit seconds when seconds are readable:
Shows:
4,32,42
